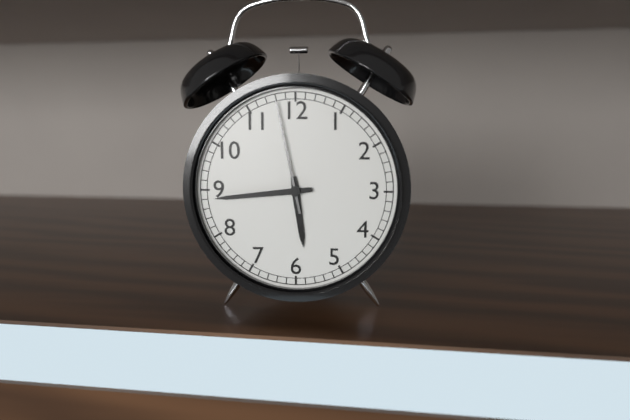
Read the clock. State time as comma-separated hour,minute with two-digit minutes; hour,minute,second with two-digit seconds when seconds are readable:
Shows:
5,44,58
